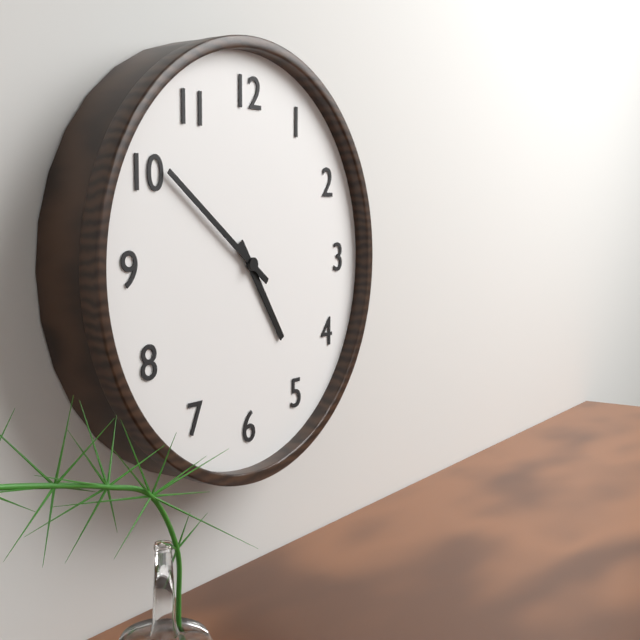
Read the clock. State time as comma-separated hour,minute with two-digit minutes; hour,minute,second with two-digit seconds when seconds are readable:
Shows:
4,51
